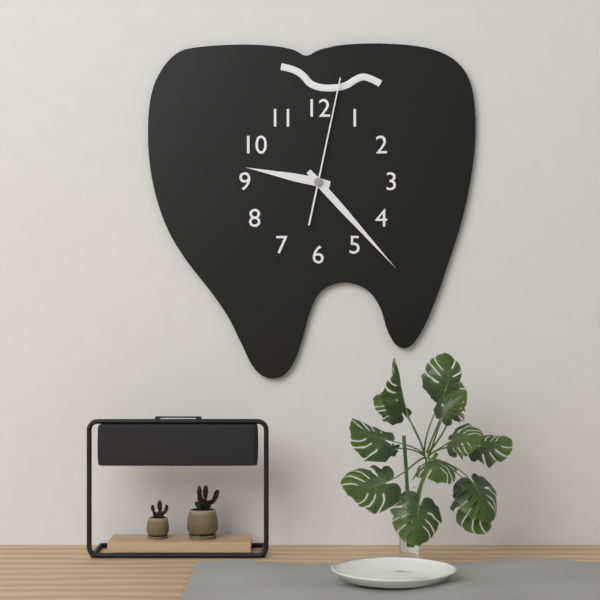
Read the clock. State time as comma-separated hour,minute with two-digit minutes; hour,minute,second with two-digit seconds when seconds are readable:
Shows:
9,23,02
